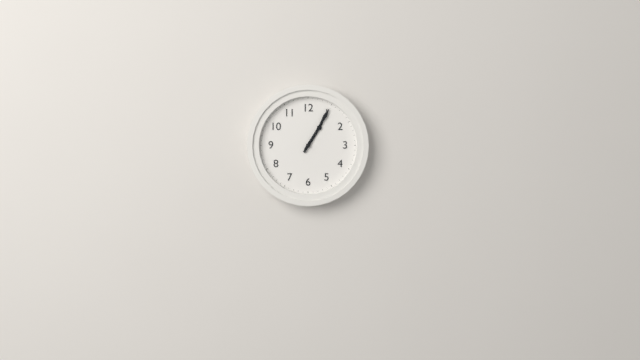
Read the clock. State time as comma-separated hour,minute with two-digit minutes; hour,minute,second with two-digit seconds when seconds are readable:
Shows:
1,05
